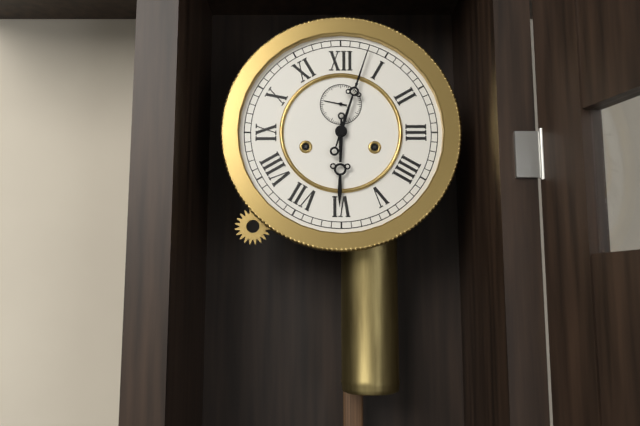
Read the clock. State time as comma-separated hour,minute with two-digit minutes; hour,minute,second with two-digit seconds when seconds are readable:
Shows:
6,03
